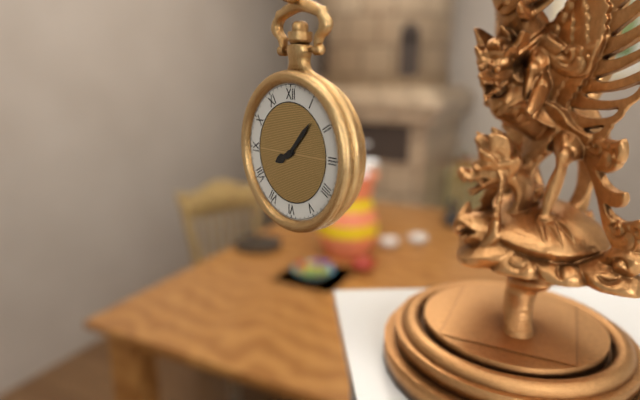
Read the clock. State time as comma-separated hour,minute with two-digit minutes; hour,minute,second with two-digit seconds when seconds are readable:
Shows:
8,07
